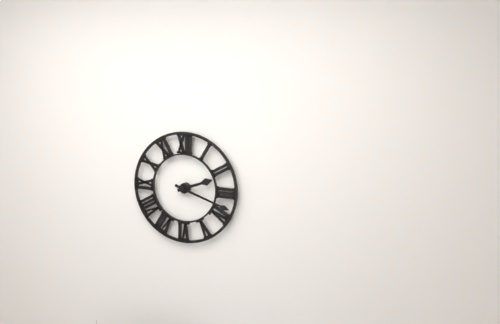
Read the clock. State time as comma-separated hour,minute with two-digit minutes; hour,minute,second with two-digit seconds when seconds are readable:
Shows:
2,18
